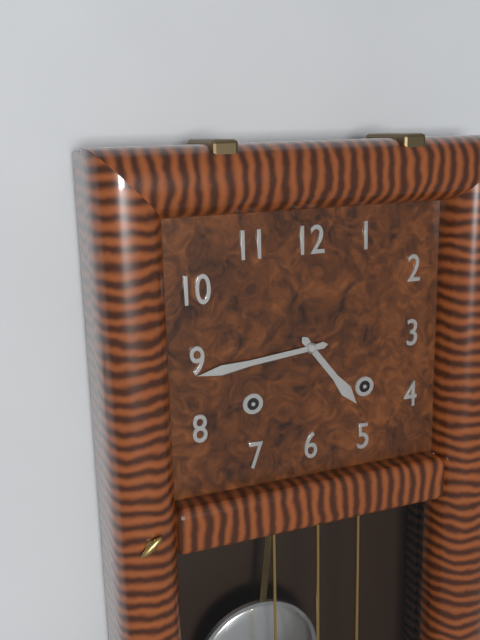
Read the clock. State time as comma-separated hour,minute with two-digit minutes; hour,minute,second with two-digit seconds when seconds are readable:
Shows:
4,44
